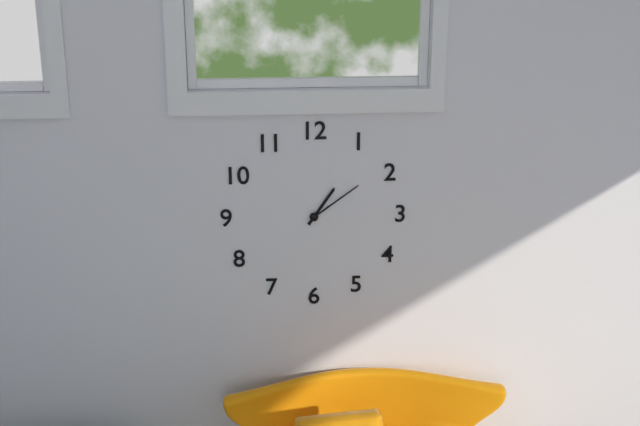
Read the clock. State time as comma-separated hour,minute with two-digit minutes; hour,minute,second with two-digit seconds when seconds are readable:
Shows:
1,09
